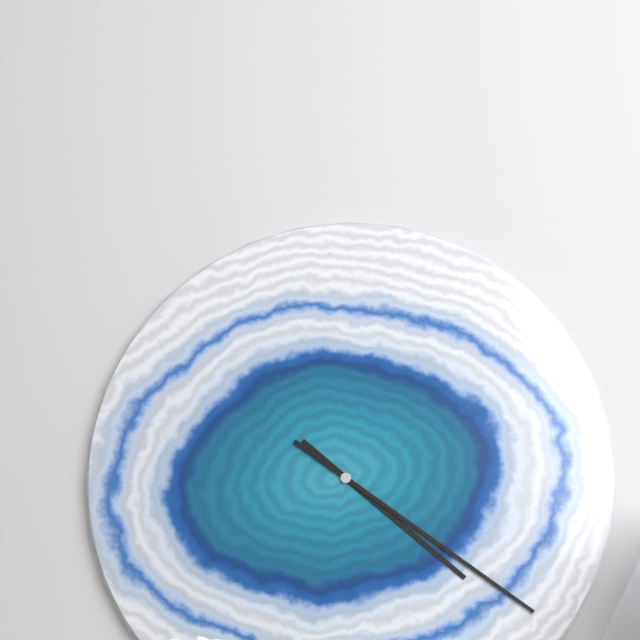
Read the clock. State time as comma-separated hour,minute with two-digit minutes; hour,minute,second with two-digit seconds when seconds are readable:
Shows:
4,21
